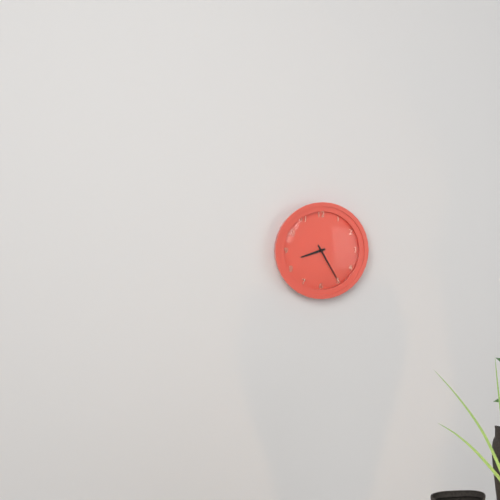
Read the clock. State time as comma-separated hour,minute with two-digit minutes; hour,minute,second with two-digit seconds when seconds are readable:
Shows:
8,25
